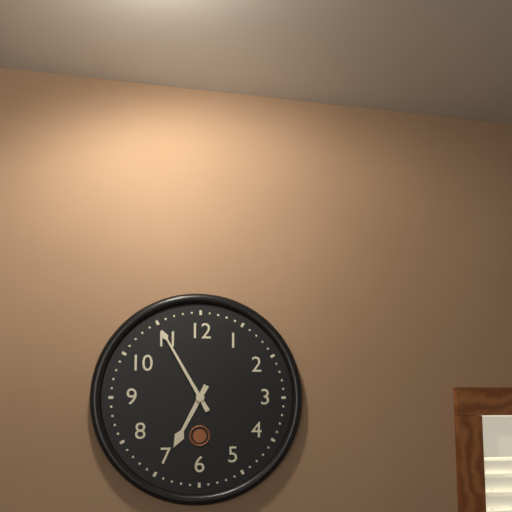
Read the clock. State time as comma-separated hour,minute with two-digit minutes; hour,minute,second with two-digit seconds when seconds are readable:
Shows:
6,55
